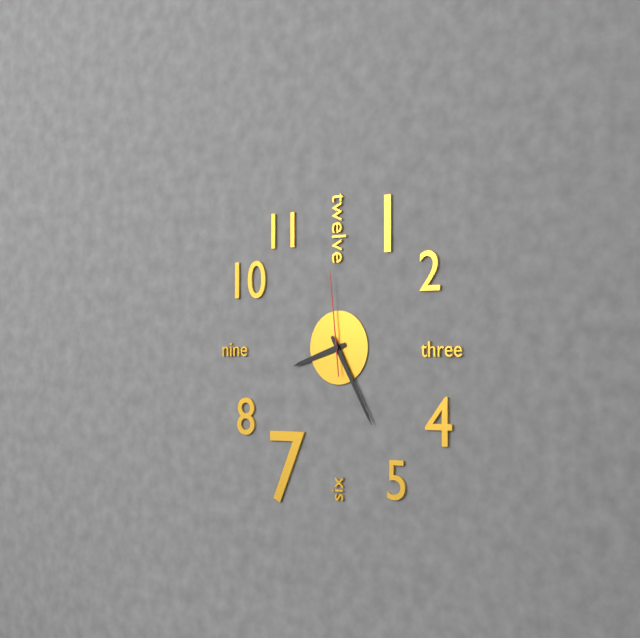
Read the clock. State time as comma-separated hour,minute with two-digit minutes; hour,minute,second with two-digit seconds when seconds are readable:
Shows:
8,25,59
